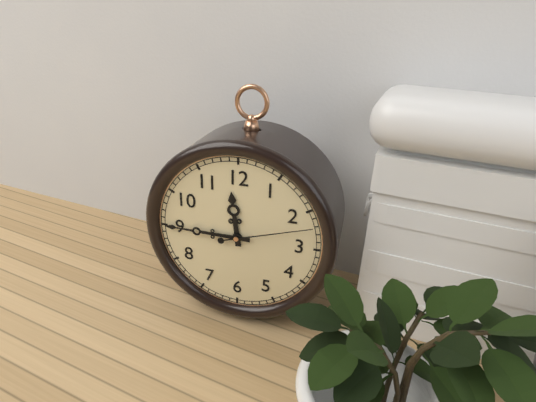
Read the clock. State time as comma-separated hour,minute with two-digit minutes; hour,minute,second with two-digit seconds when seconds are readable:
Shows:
11,45,12
